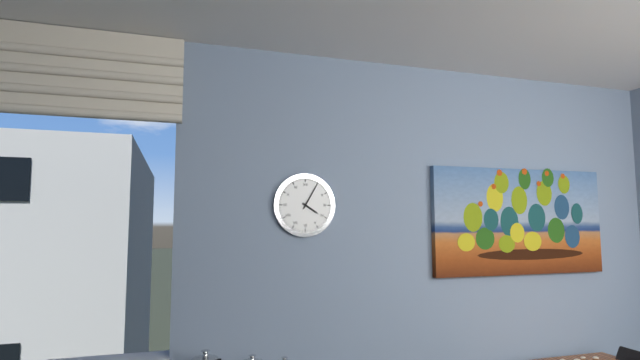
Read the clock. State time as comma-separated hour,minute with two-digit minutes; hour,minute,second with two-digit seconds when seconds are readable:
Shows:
4,05
